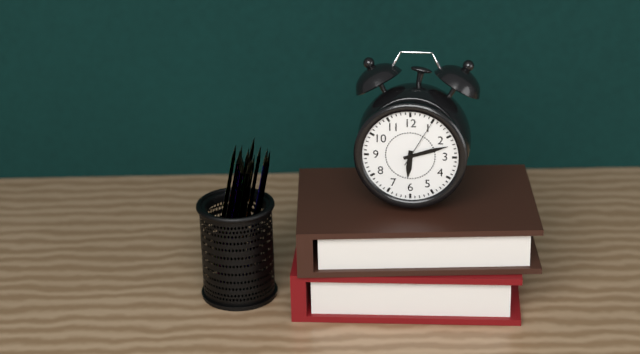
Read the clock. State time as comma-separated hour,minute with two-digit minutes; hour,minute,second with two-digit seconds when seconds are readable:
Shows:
6,12,05
